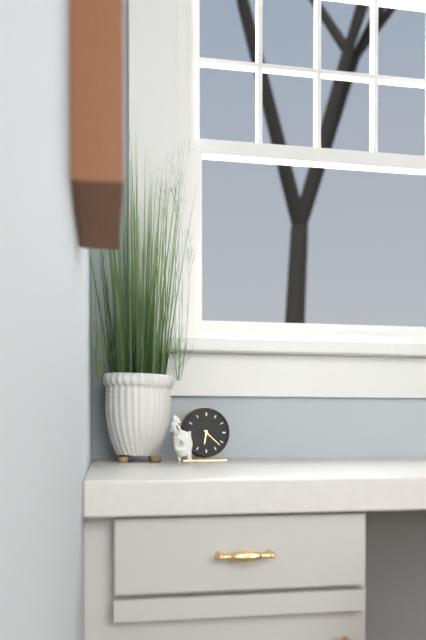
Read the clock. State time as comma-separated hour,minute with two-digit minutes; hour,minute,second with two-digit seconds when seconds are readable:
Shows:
6,22
